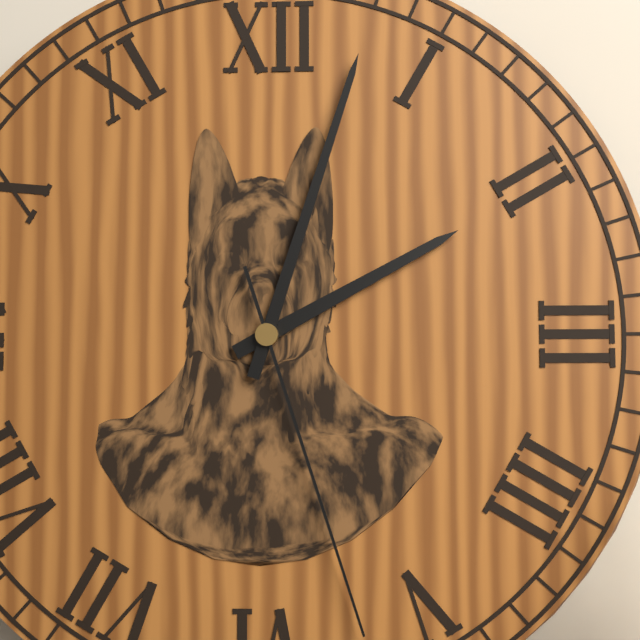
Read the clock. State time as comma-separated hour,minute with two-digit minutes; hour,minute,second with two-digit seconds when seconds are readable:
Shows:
2,03,27
